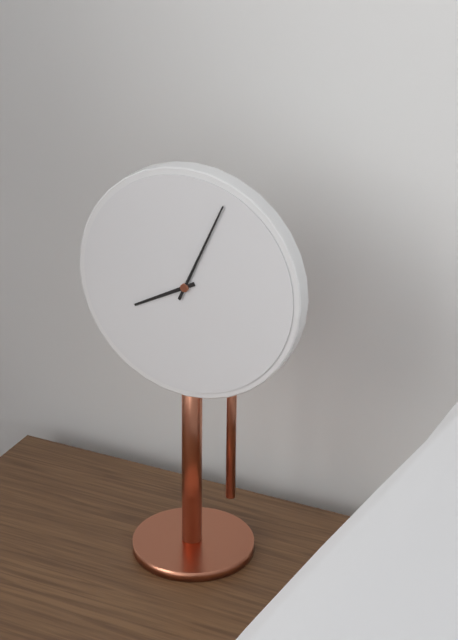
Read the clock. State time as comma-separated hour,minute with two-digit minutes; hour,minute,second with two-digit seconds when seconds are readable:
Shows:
8,04
